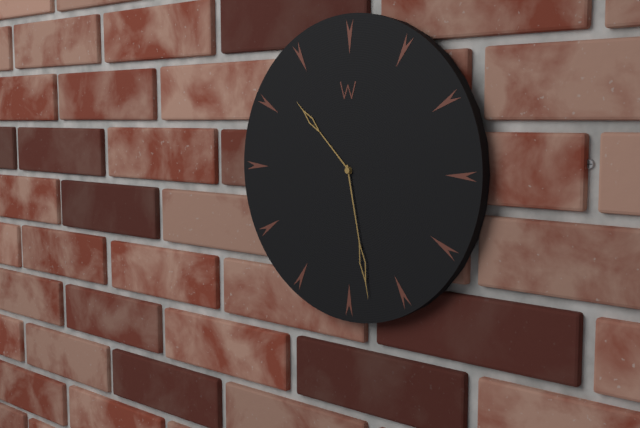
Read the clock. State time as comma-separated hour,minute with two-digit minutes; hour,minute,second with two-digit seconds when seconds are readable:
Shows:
10,28
